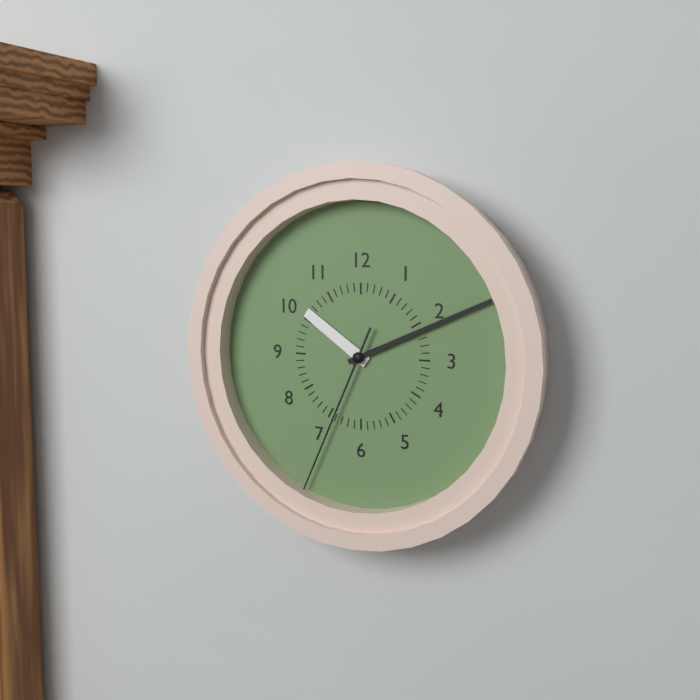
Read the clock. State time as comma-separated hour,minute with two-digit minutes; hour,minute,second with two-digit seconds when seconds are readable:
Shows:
10,11,34
